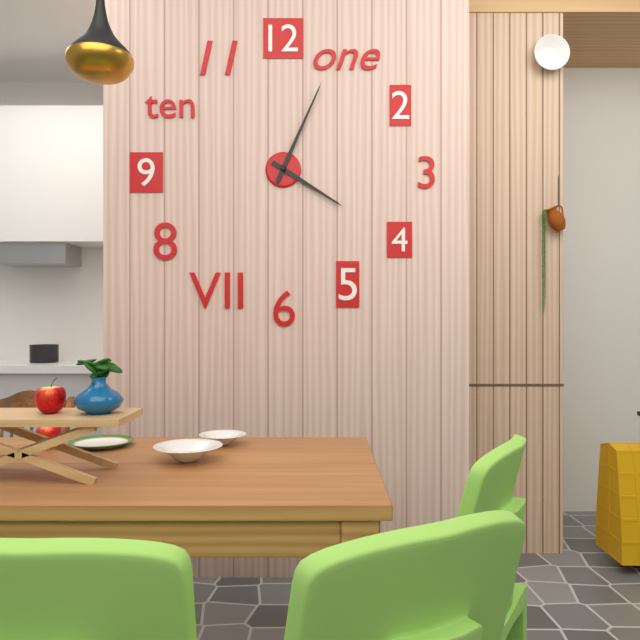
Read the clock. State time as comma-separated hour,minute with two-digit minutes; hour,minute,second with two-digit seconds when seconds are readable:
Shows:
4,04
